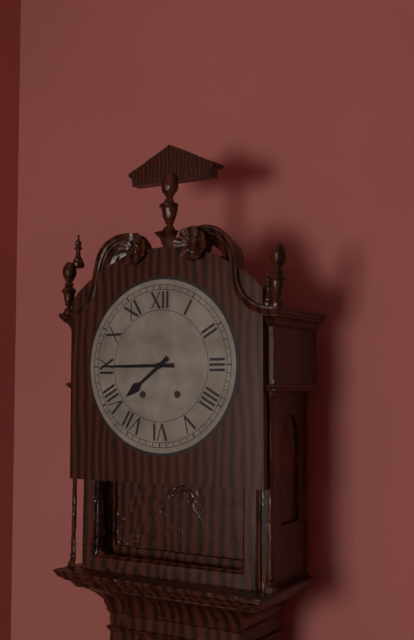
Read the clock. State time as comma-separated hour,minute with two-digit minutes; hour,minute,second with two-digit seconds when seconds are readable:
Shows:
7,45
